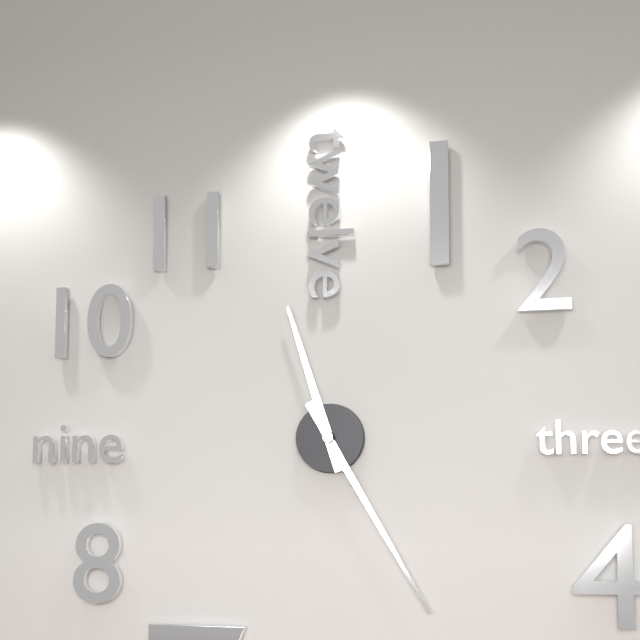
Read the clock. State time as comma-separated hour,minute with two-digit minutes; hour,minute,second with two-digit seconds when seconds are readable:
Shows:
11,25
